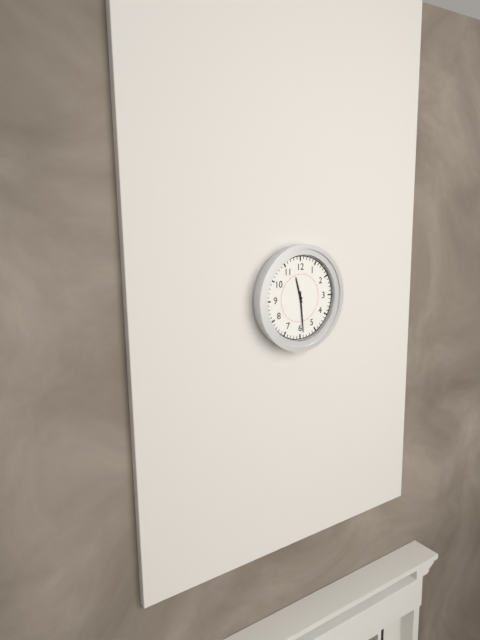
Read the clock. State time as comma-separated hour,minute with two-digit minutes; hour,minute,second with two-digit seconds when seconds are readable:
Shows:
11,29
